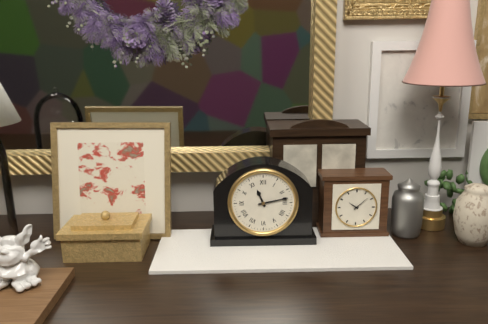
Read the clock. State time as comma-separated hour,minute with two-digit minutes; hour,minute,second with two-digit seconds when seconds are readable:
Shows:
11,13
